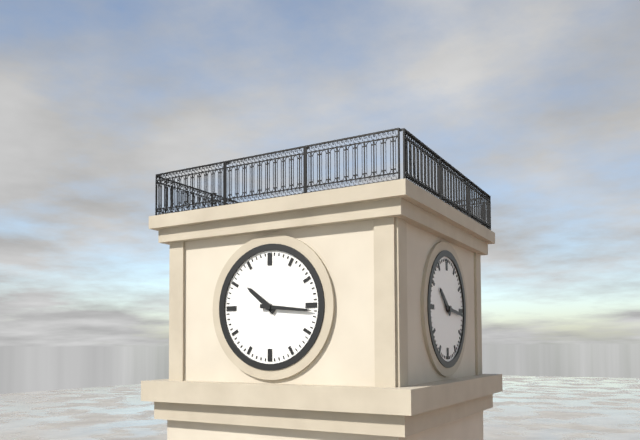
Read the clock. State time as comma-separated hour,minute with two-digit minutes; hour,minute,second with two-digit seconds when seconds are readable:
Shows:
10,16
